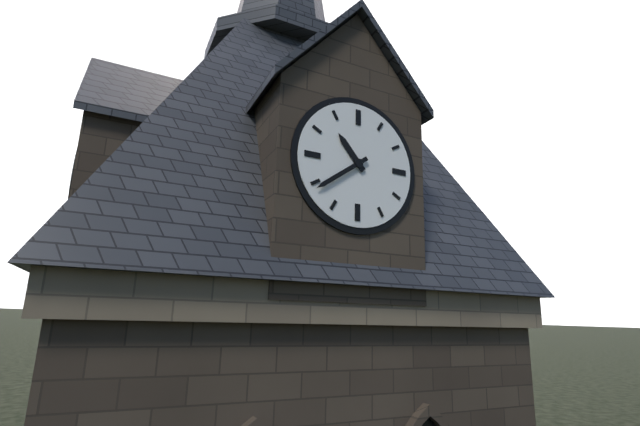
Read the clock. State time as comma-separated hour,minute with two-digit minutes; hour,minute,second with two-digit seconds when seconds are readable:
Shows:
10,39
